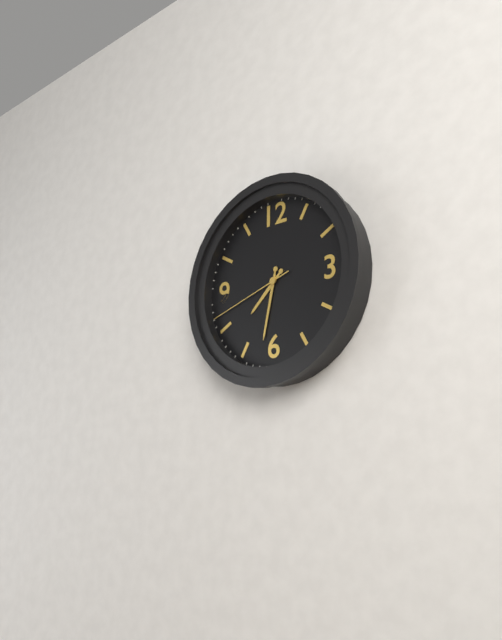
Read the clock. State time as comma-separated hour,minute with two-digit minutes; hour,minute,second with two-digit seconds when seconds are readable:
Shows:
7,32,42
